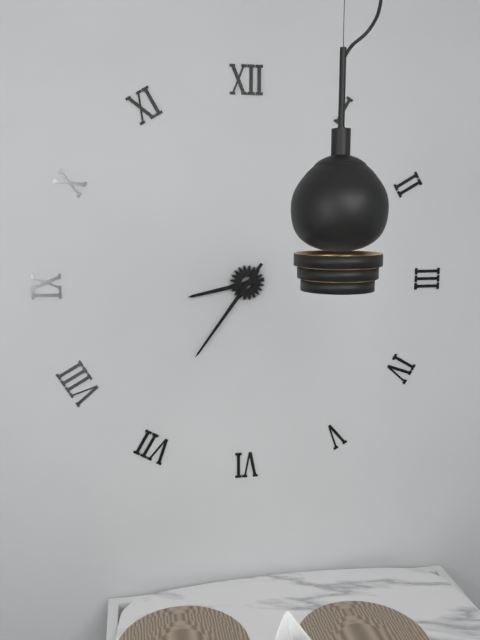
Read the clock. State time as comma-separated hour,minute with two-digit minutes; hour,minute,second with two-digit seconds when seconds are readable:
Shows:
8,36
